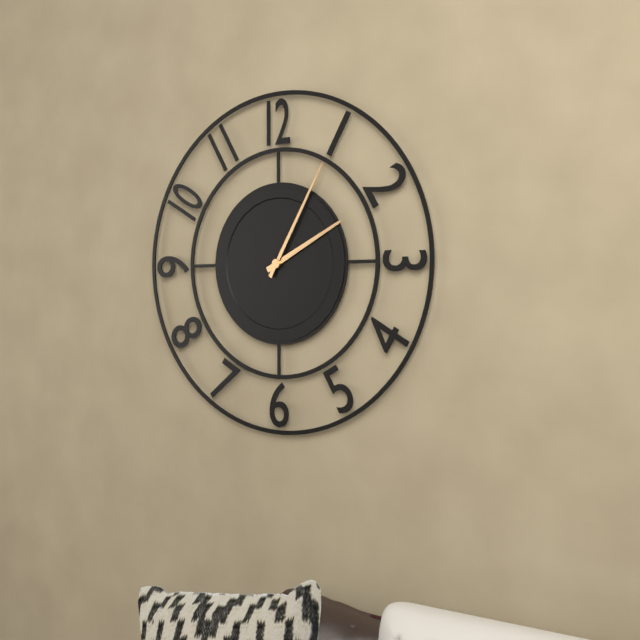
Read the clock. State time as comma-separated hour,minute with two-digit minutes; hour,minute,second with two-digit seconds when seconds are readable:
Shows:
2,05
